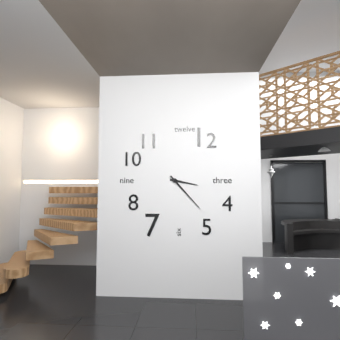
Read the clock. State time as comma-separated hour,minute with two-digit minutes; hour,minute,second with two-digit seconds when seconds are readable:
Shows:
3,23
